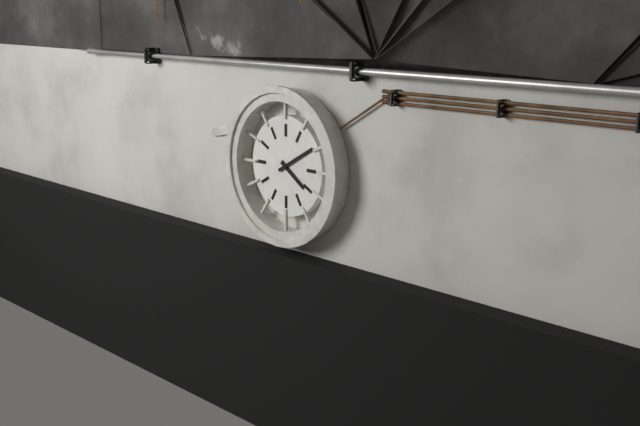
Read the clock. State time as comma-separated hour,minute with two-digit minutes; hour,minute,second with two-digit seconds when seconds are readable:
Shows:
4,10
